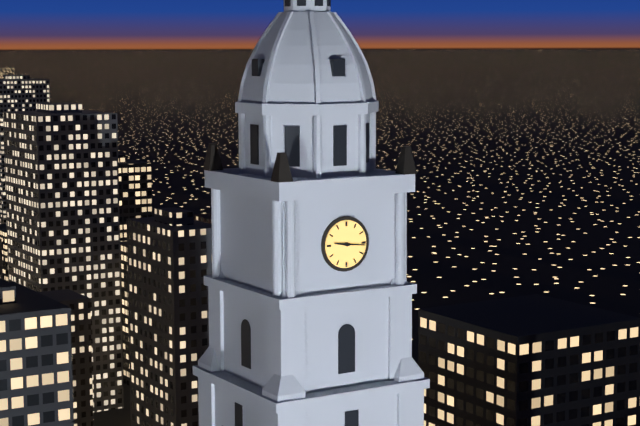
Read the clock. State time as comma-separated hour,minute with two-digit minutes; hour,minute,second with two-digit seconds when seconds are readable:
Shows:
9,16
